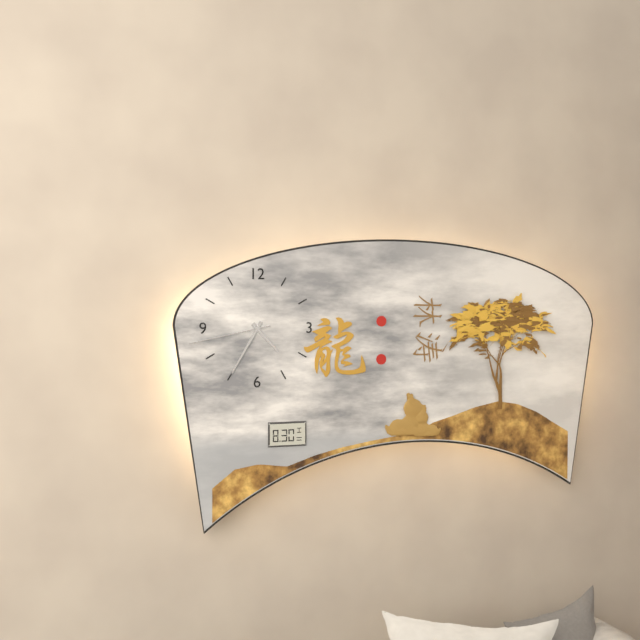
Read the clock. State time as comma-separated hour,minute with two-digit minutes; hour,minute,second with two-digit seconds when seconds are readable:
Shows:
4,35,43
